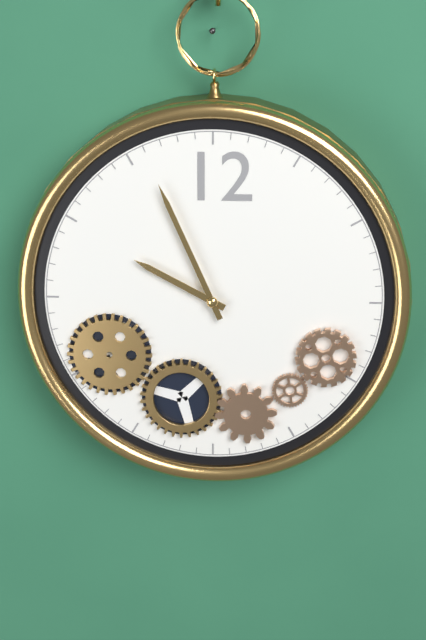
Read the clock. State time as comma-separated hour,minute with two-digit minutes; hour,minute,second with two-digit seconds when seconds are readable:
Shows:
9,56
